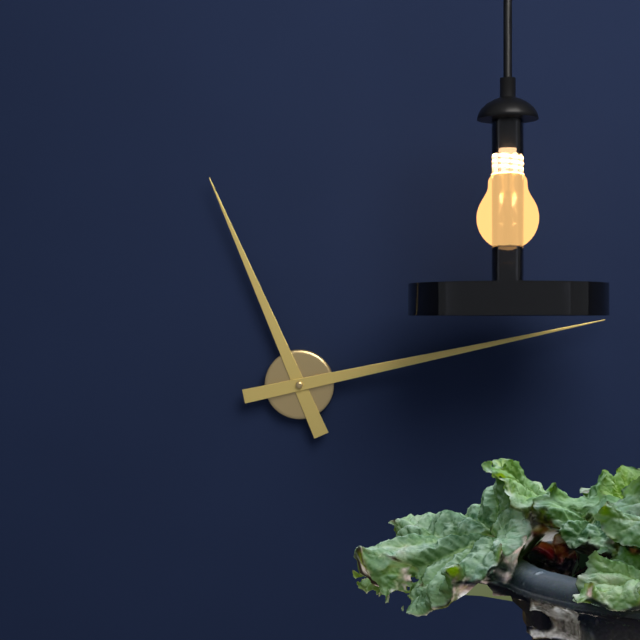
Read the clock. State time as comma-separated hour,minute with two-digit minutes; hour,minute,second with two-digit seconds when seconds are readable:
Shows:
11,13
